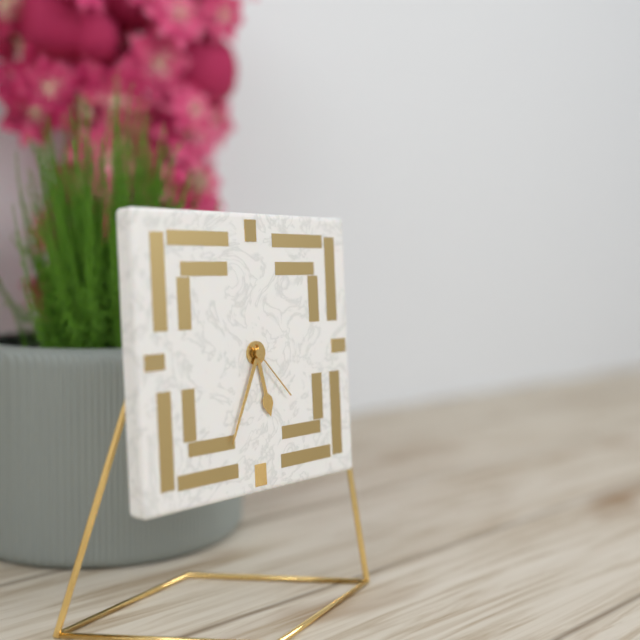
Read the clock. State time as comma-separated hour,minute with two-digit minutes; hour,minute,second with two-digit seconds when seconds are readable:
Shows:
5,34,23
